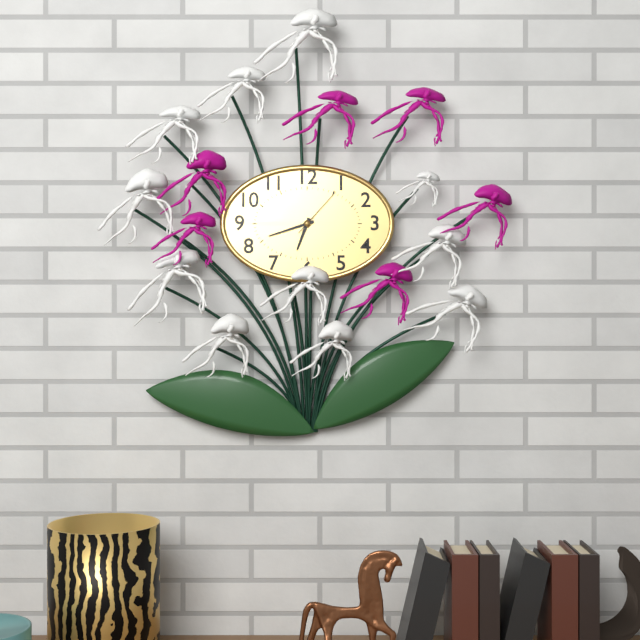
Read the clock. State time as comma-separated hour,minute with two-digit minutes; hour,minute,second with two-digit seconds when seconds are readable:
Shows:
6,42,07
